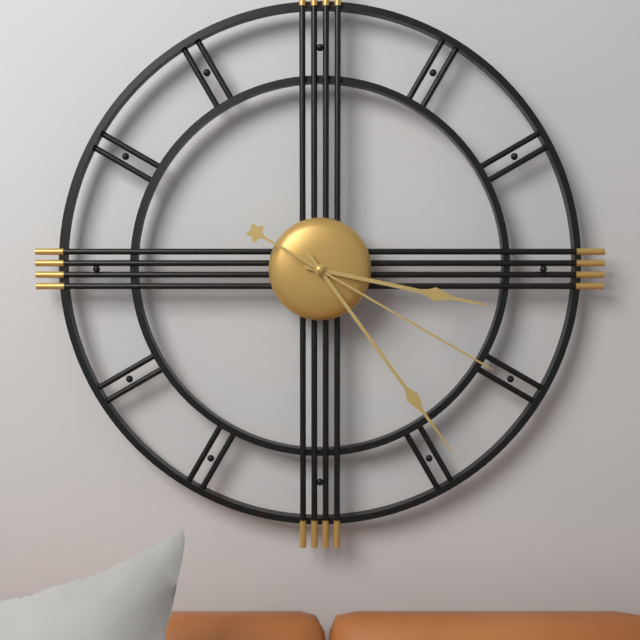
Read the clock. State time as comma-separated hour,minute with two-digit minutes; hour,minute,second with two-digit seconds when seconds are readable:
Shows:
3,24,20
